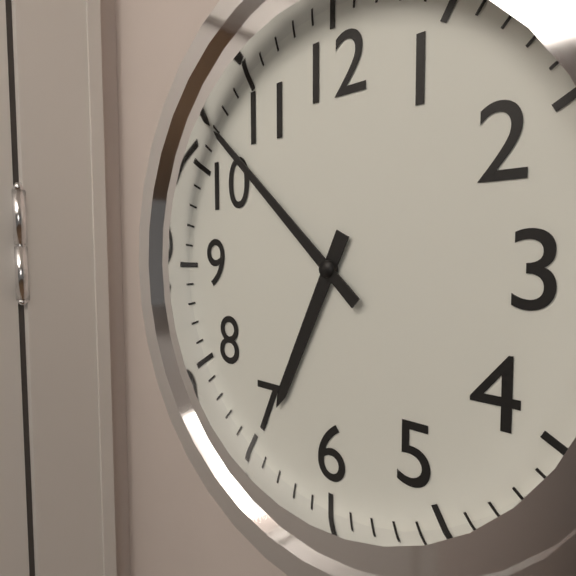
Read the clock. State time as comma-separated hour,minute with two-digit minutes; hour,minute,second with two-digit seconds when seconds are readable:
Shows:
6,52
